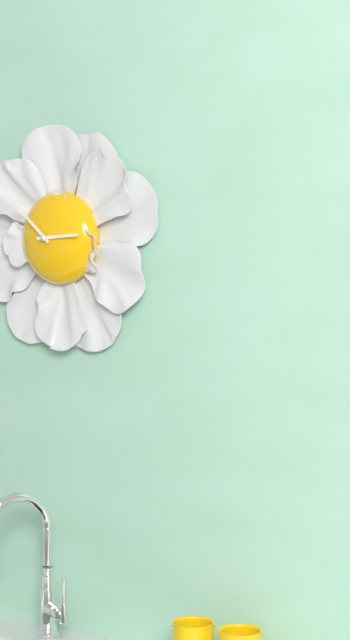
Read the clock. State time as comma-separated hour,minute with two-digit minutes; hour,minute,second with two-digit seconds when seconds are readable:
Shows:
2,52
